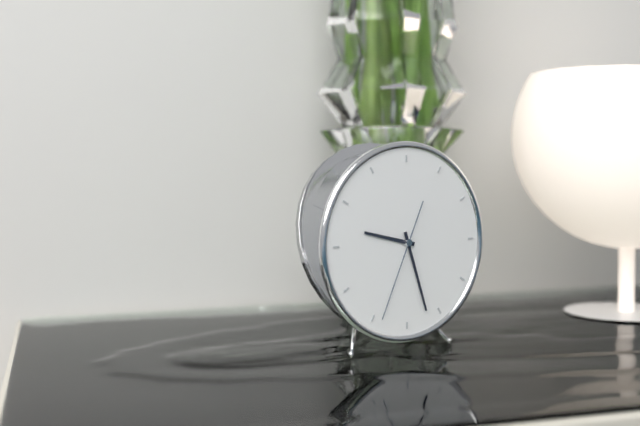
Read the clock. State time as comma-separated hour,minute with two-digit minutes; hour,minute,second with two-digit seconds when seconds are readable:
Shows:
9,27,34
